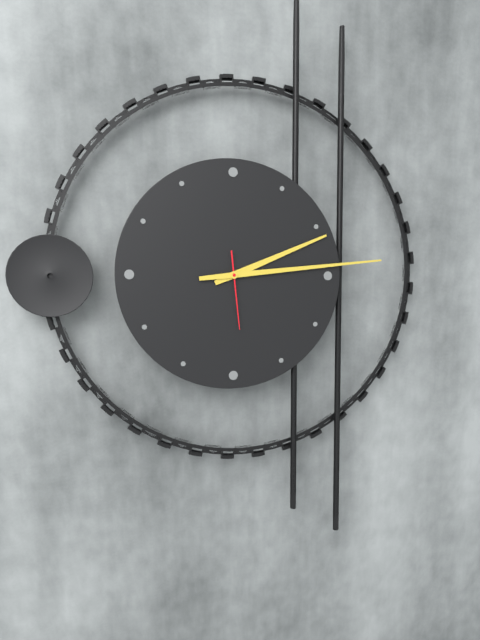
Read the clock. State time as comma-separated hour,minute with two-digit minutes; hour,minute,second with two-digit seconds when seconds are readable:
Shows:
2,14,29
